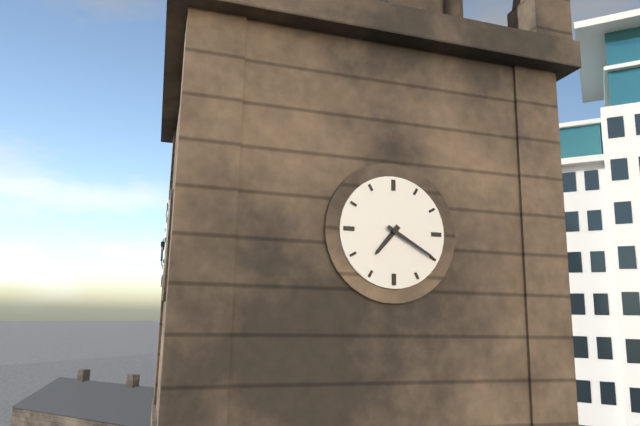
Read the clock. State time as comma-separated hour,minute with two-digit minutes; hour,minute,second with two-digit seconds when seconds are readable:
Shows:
7,20
